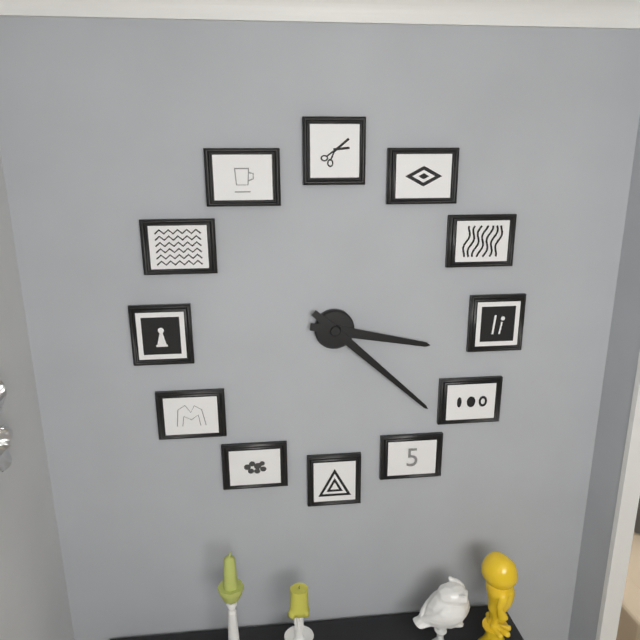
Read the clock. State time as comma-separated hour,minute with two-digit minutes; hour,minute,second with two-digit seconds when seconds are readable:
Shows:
3,22
